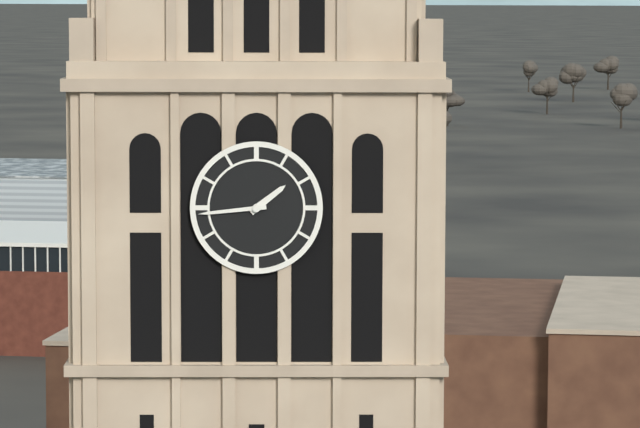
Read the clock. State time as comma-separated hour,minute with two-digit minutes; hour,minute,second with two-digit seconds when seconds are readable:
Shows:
1,44
